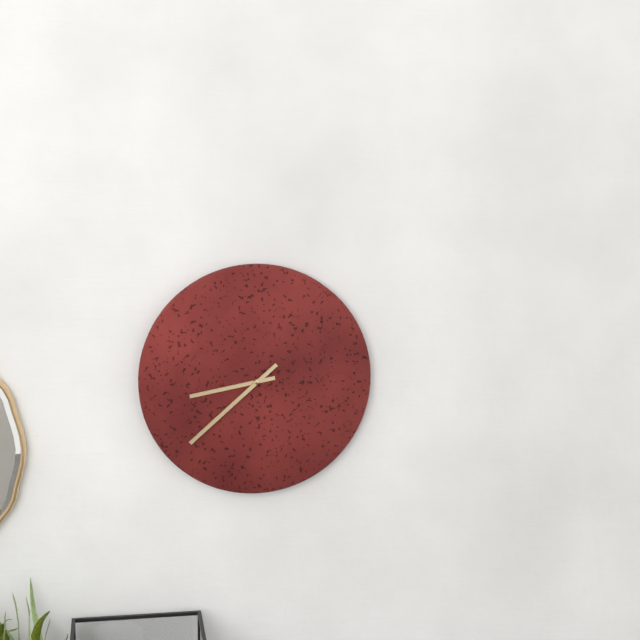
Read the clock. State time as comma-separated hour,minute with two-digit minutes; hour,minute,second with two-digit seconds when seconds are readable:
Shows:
8,38
